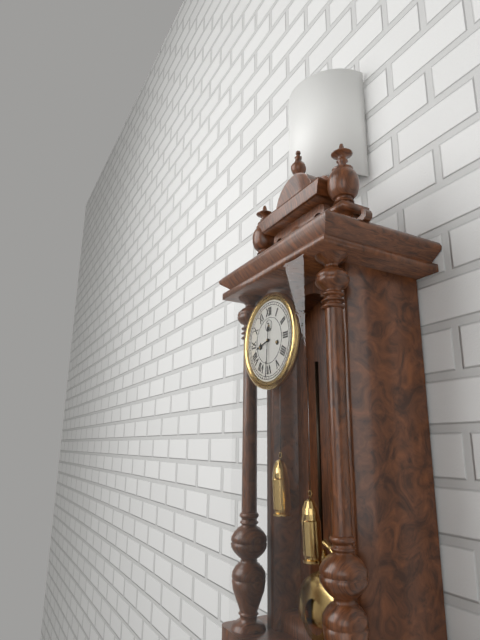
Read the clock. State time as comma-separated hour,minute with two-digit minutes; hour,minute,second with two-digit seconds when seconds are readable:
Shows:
8,31
